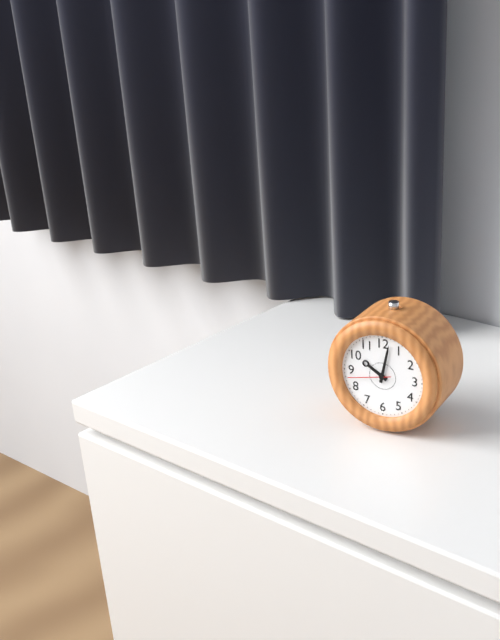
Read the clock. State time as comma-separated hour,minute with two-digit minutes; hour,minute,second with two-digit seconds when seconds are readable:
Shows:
10,02,43
